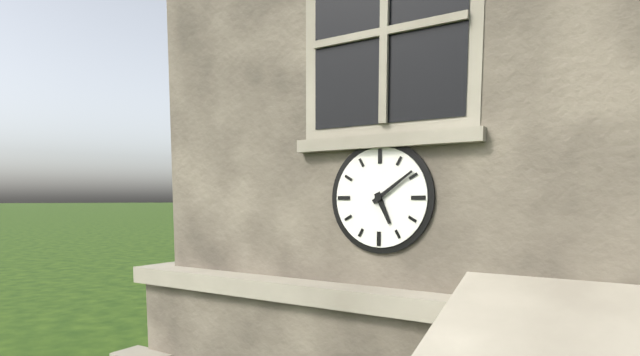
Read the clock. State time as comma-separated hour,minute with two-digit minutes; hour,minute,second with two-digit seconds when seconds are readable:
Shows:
5,09
